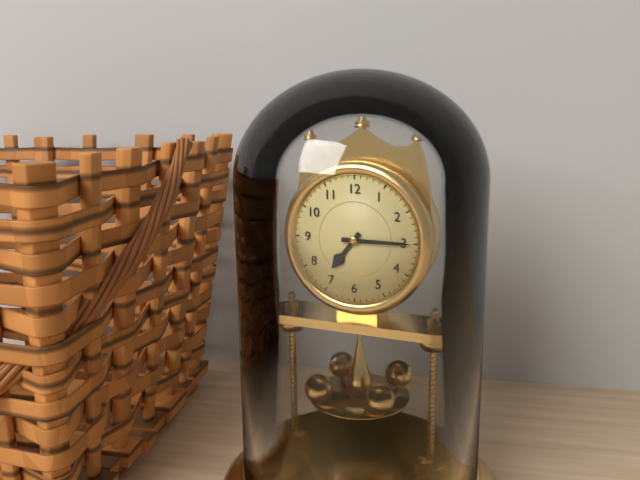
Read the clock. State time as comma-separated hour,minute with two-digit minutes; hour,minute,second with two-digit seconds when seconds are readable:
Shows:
7,15
